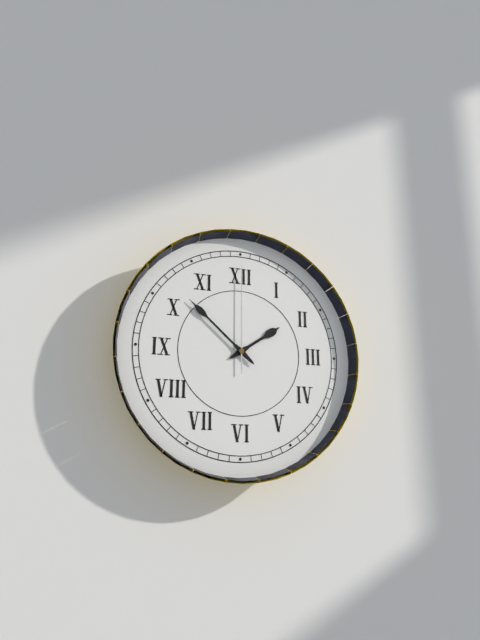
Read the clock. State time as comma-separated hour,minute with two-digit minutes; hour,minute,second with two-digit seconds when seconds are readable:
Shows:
1,52,00
